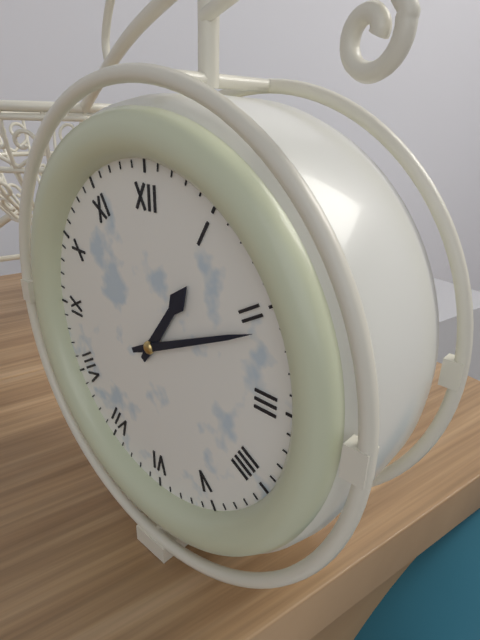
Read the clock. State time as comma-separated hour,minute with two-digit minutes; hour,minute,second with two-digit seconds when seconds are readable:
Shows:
1,11
